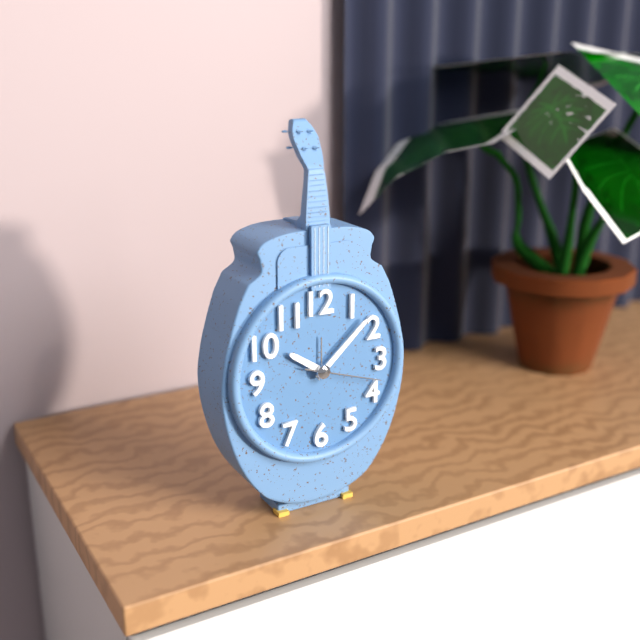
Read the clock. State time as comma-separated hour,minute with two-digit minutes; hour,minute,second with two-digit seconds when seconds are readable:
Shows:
10,08,18
